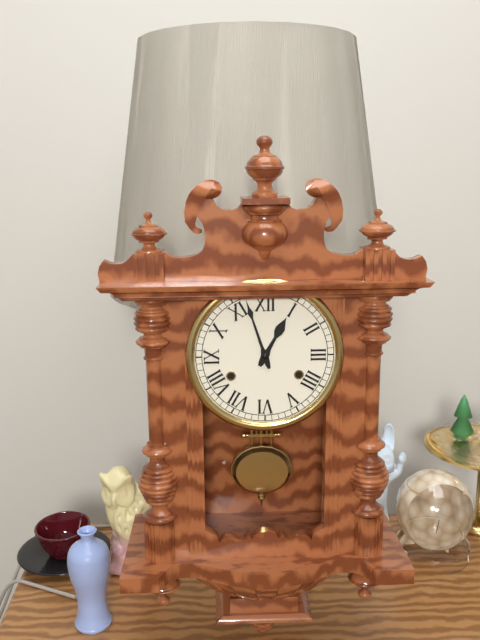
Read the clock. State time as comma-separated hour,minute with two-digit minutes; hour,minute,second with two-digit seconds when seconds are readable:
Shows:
12,57
